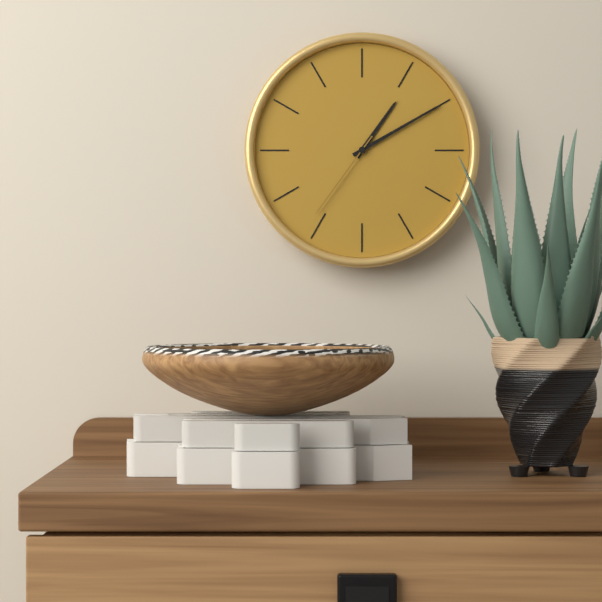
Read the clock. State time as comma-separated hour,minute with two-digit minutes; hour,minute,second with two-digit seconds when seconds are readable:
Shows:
1,10,36
